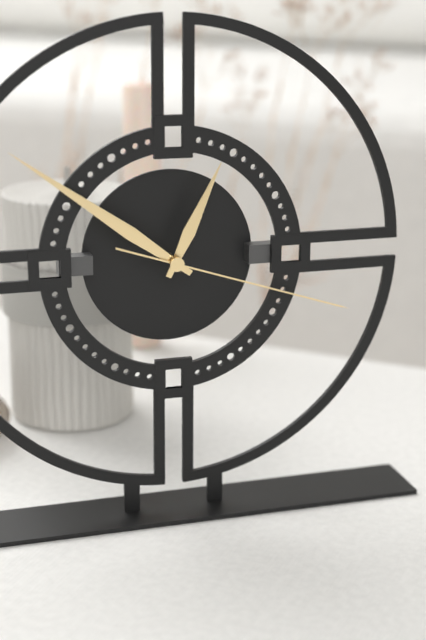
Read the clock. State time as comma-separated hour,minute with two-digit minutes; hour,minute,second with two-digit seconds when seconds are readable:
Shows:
12,51,18
